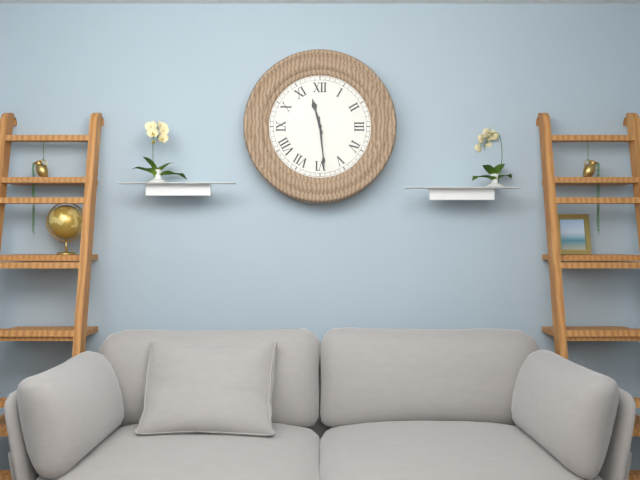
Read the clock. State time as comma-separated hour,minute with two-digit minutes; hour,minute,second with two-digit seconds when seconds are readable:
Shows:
11,29
